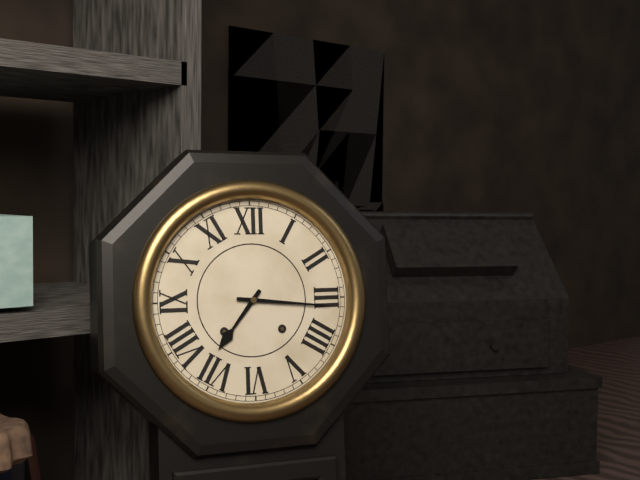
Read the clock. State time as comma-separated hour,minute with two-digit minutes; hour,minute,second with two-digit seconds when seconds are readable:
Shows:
7,16
